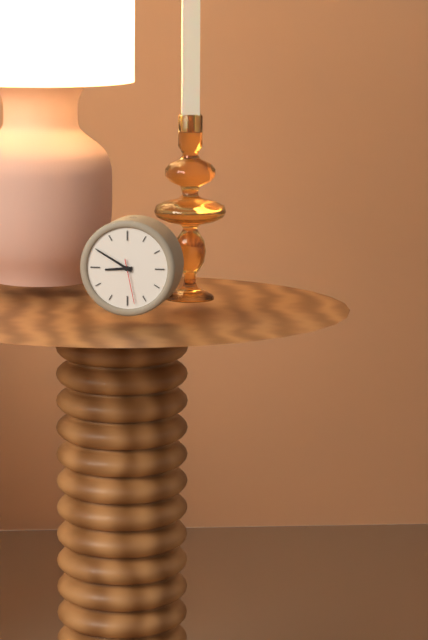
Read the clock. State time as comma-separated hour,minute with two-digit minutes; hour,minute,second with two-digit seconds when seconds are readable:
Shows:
8,50
